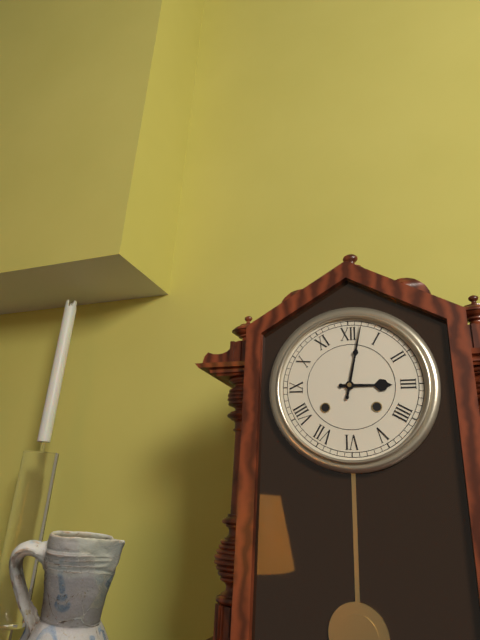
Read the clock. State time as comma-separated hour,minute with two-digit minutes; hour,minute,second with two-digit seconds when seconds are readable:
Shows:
3,02
